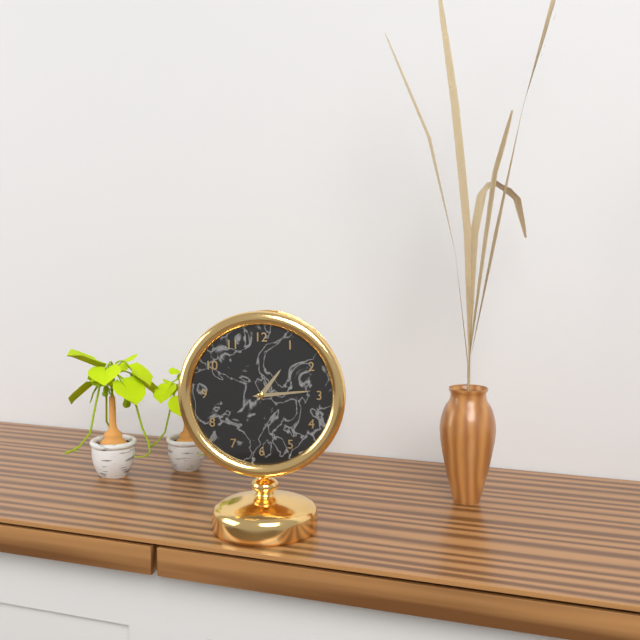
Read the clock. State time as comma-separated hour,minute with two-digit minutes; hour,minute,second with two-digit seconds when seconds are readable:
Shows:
1,14
